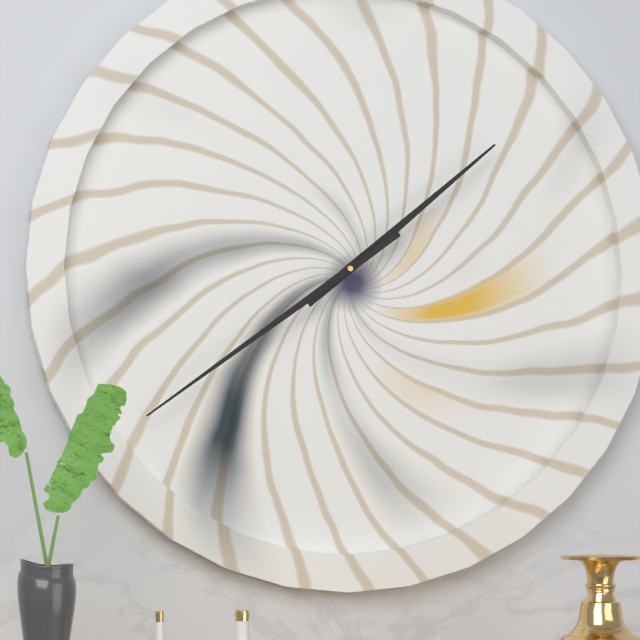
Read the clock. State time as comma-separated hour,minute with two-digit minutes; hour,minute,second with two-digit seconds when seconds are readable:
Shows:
1,39
